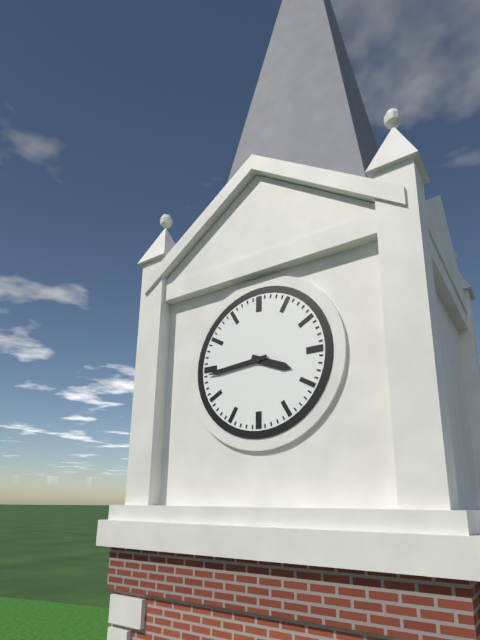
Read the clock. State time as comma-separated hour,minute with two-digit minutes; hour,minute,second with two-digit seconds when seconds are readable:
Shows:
3,44
